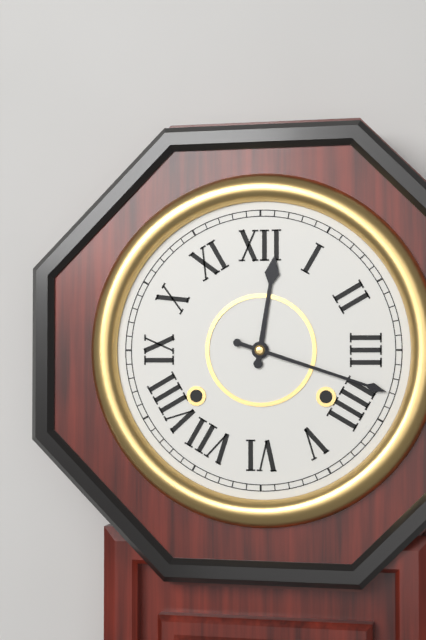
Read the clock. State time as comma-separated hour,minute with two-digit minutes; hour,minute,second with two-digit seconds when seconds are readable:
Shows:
12,18
